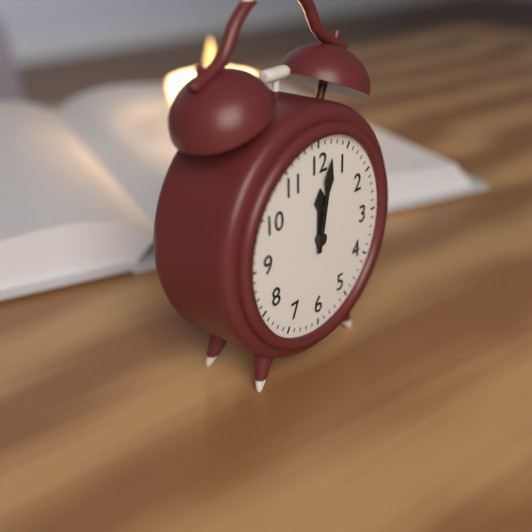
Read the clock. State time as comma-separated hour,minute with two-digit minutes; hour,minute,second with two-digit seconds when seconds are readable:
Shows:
12,02
